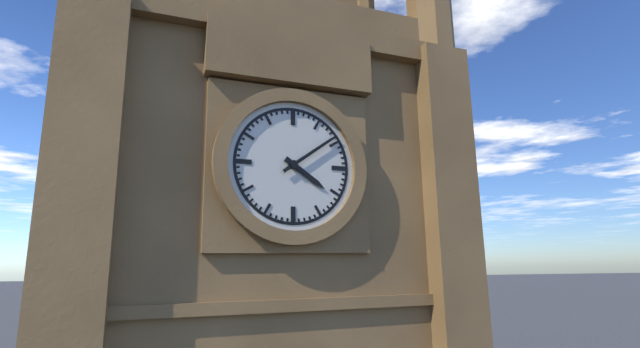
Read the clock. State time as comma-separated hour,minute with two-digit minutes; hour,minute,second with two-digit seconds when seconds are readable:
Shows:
4,09
